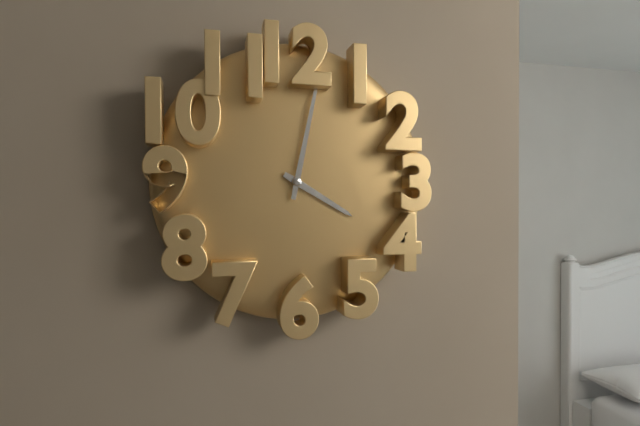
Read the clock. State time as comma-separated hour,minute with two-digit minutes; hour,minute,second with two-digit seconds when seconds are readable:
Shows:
4,02
